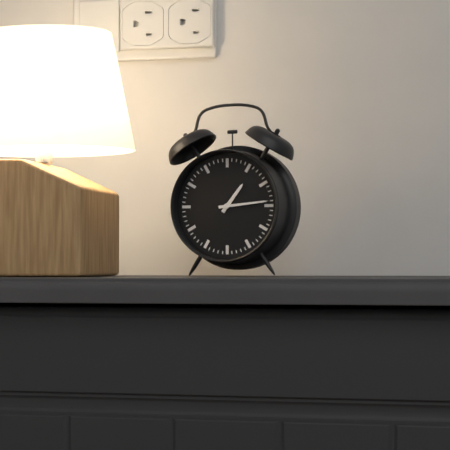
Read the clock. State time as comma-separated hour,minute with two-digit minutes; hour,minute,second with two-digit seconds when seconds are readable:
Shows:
1,14
